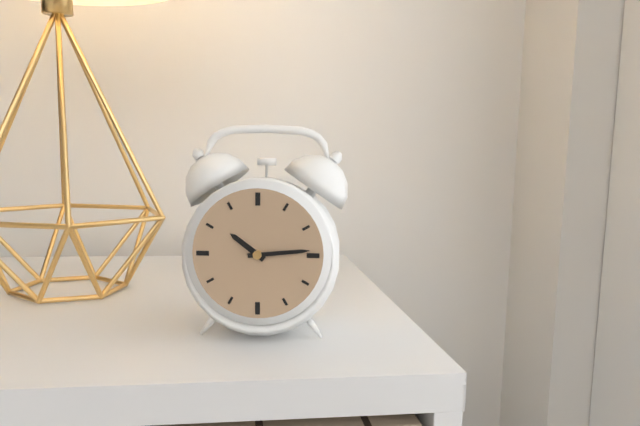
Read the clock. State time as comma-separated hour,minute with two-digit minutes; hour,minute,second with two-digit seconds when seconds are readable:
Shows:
10,14
